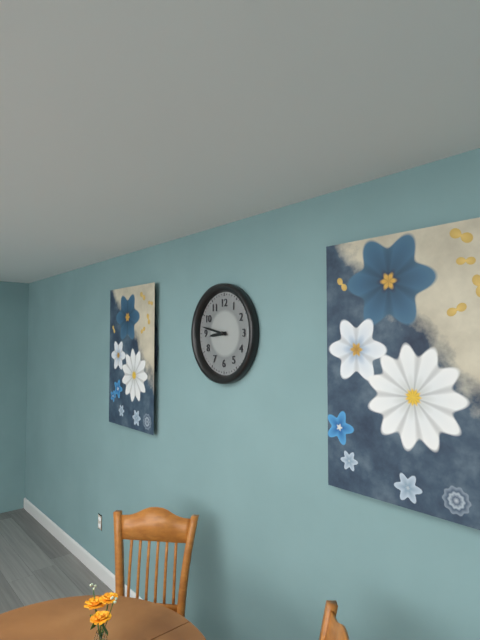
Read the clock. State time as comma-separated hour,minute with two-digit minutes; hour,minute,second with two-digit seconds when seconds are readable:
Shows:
8,47
